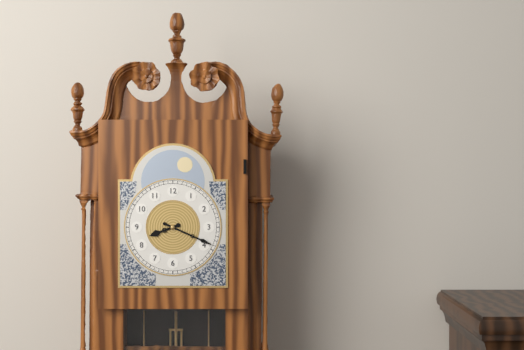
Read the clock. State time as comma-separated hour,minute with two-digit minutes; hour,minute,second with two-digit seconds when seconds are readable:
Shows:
8,19
